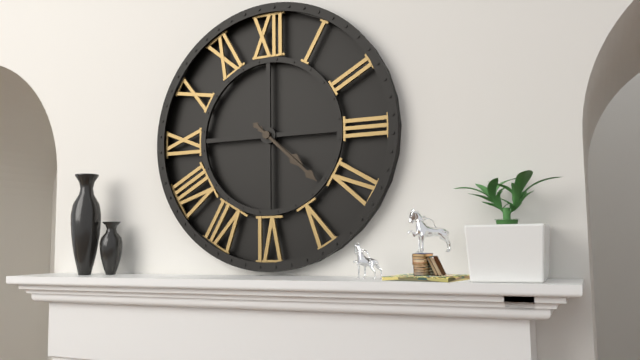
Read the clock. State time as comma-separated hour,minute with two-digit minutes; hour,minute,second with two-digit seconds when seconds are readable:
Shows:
4,22
